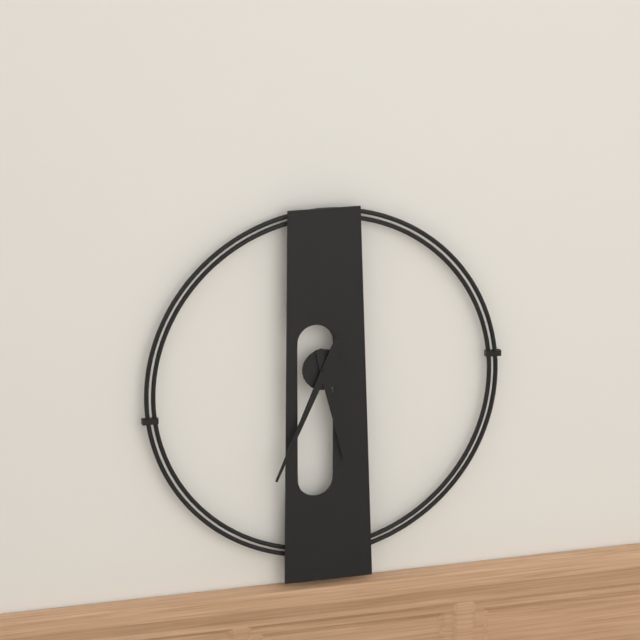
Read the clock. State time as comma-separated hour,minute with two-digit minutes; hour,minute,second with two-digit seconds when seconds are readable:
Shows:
5,34
